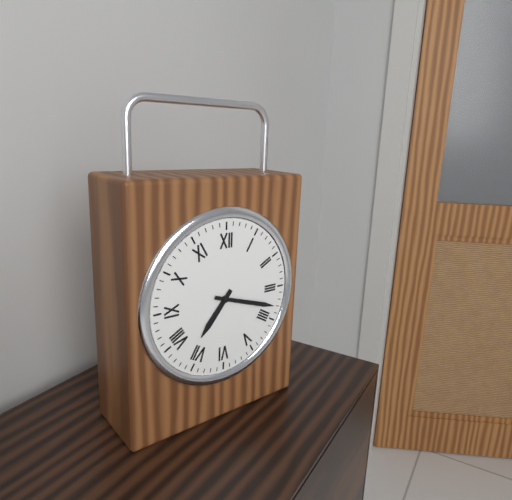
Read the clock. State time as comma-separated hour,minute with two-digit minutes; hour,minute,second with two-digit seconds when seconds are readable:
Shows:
7,18
